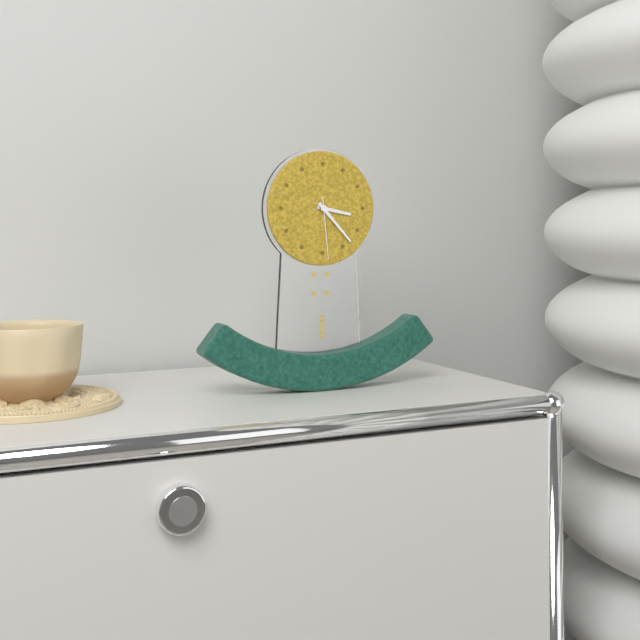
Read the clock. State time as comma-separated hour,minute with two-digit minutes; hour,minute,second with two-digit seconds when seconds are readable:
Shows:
3,23,29
